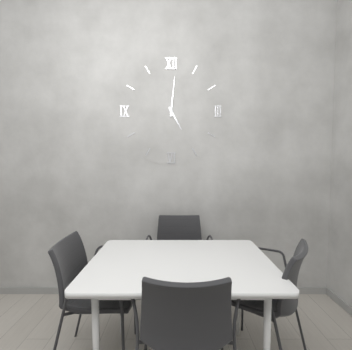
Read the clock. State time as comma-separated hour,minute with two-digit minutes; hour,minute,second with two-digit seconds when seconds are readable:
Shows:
5,01
